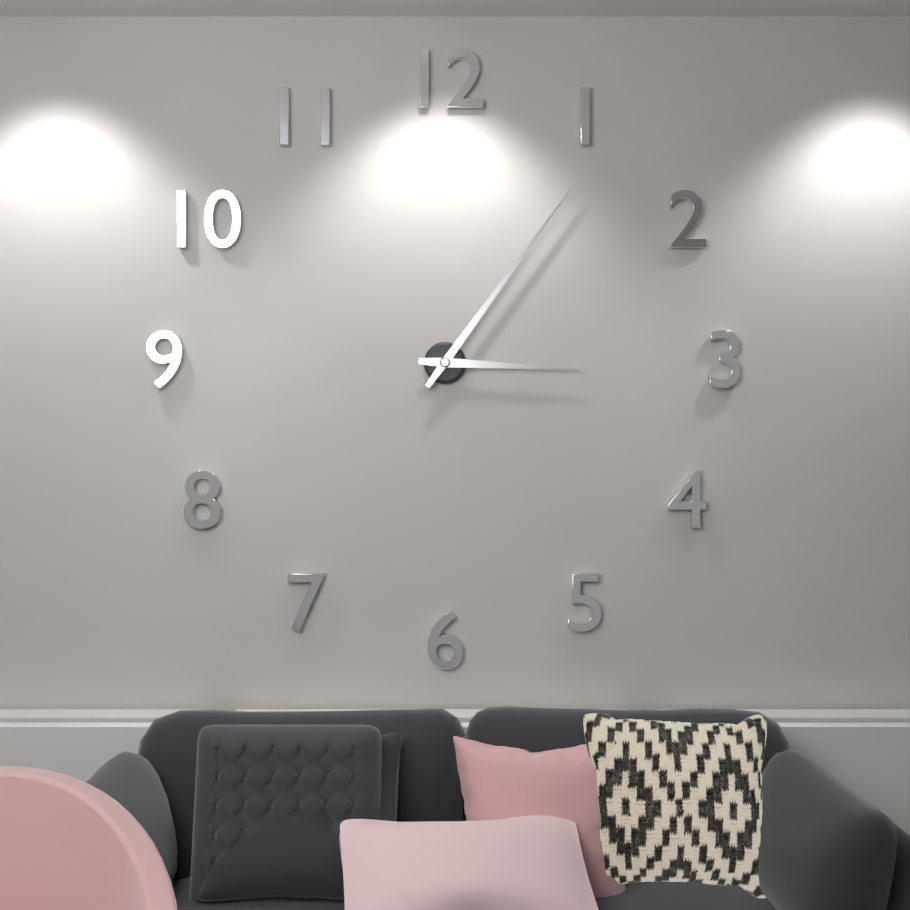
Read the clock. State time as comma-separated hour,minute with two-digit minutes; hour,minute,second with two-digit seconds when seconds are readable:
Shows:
3,06
